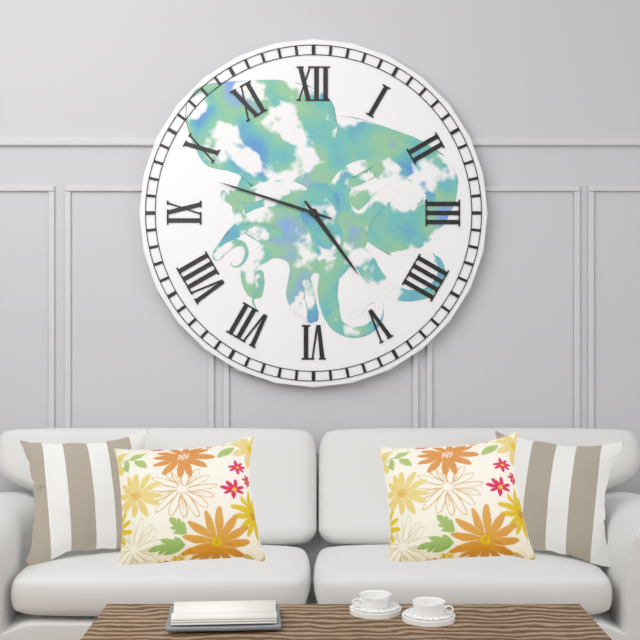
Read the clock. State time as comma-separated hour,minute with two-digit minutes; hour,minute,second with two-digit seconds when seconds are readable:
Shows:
4,48
